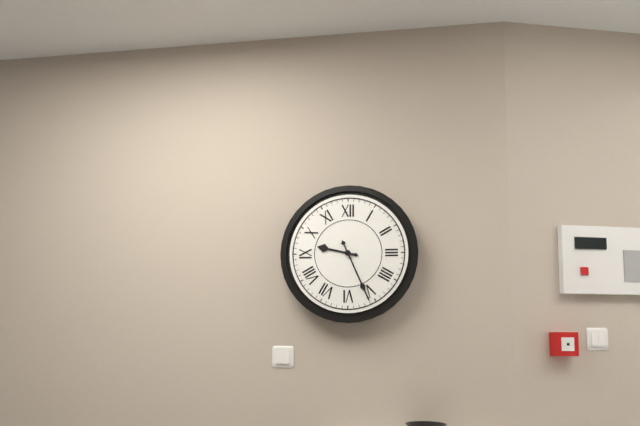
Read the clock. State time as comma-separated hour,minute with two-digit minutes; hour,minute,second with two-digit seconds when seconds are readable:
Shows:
9,26
